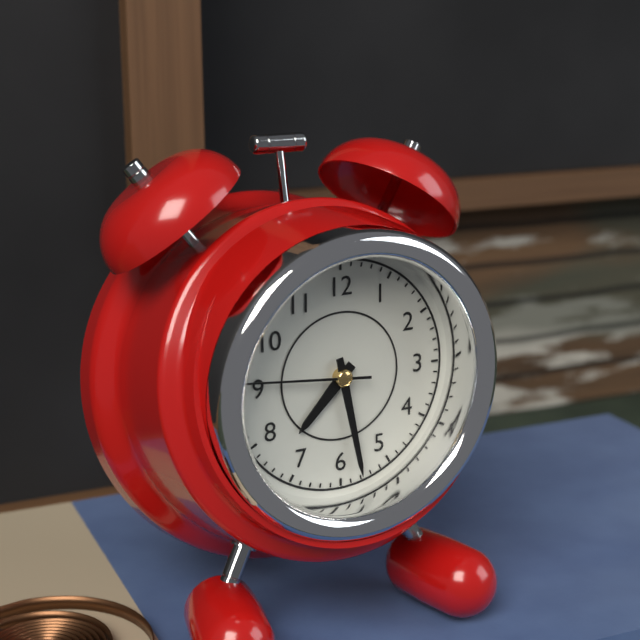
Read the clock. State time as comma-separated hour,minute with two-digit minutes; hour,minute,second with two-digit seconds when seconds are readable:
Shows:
7,28,46
